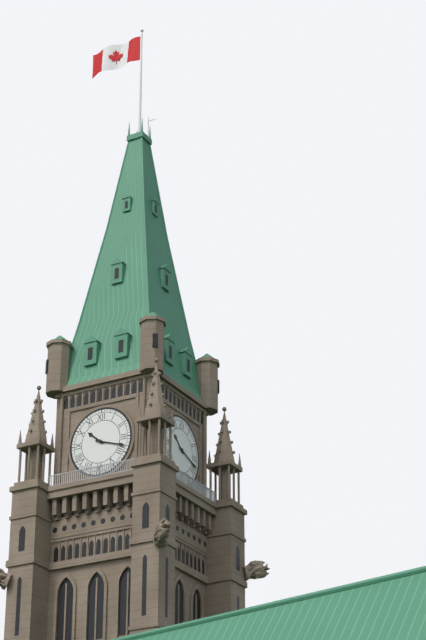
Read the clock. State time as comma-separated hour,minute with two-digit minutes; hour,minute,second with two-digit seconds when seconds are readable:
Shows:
10,18
